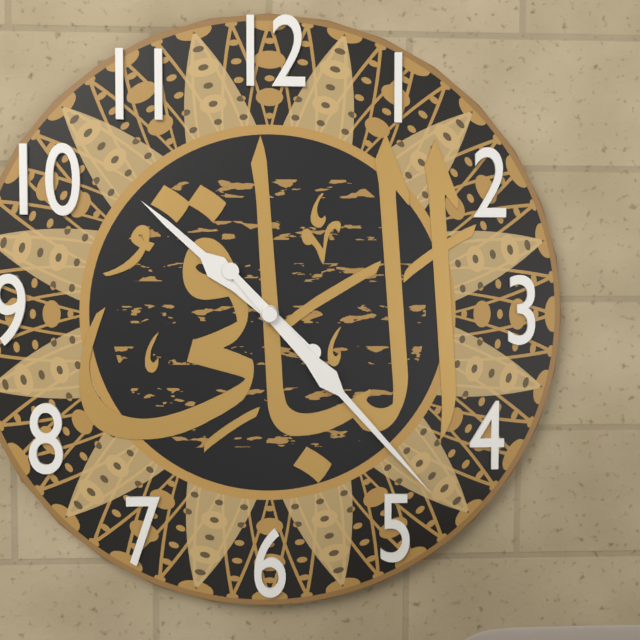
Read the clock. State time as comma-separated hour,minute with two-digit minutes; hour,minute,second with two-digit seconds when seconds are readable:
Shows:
10,23
